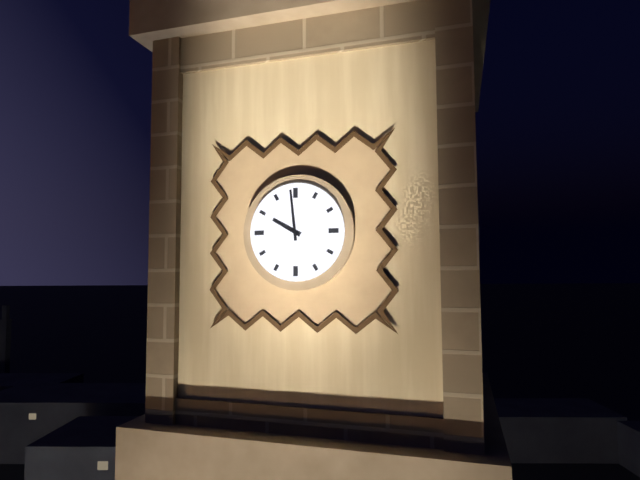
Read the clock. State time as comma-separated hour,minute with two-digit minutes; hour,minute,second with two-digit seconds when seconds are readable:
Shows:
9,59
